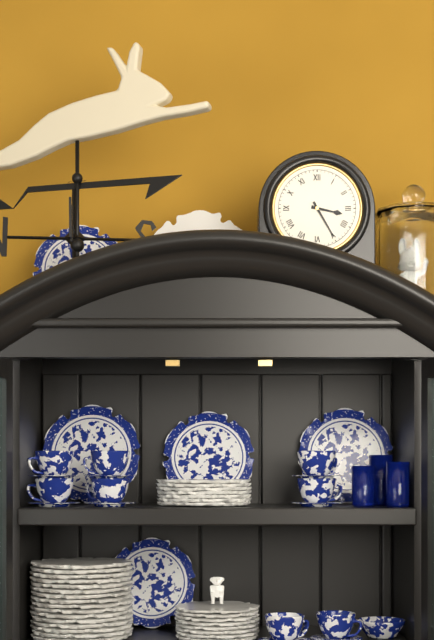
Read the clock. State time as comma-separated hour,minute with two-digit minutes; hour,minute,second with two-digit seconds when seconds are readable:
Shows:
3,25
